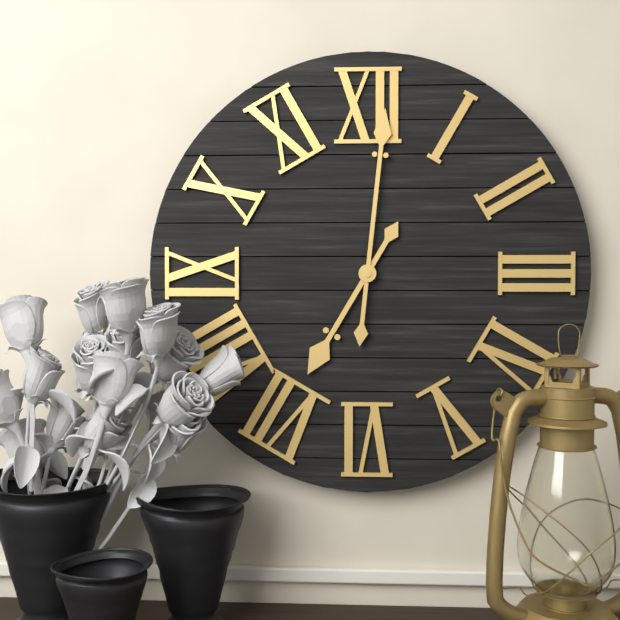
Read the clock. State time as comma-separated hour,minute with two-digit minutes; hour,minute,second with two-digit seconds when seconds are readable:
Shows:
7,01
